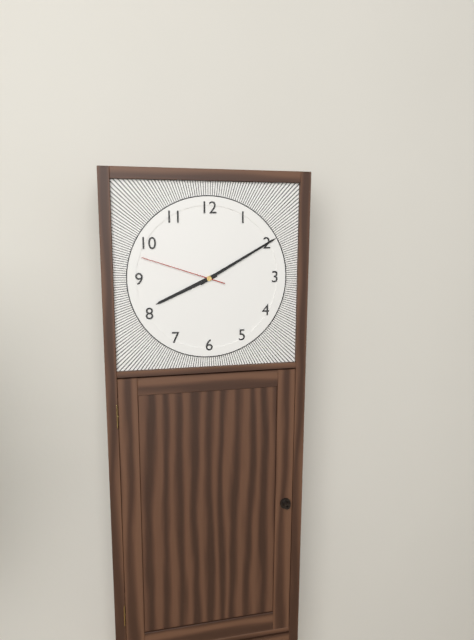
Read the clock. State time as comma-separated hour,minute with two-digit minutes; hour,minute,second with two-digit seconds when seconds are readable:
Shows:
8,10,48
